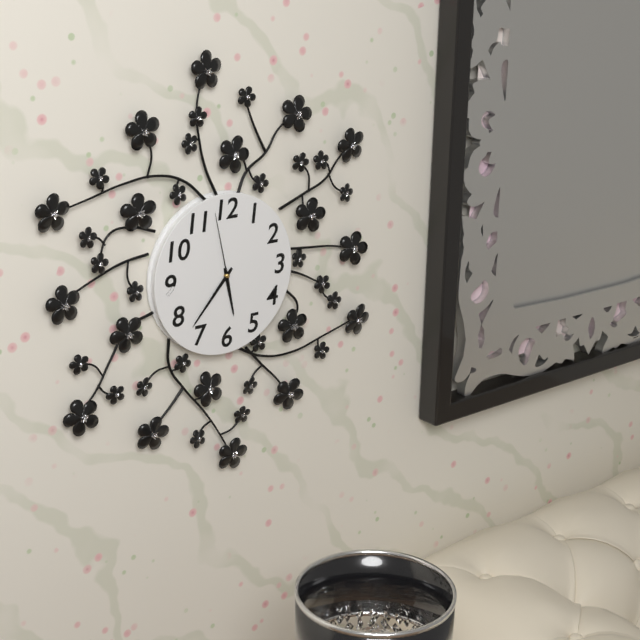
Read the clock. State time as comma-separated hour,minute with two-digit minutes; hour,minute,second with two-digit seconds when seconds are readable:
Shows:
5,37,58
